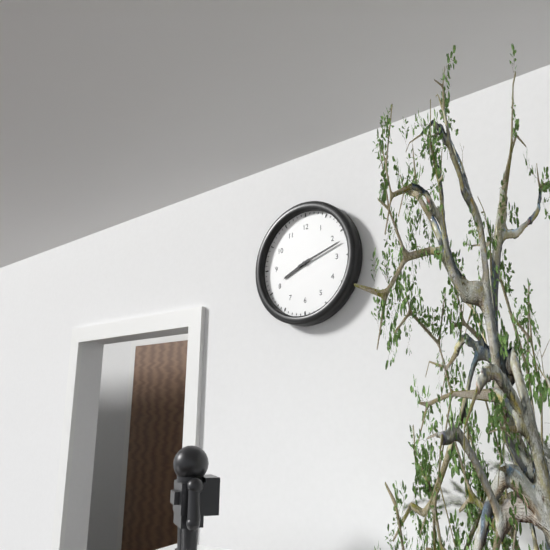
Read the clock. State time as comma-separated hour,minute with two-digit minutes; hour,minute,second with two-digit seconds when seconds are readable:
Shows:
8,12
